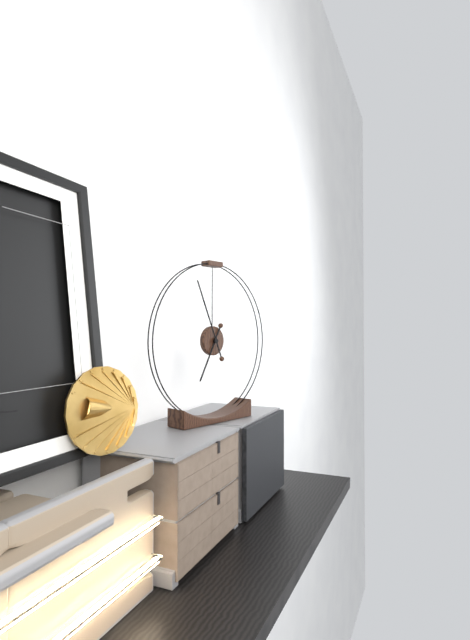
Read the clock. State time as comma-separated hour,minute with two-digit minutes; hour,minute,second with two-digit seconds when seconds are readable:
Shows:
6,56
